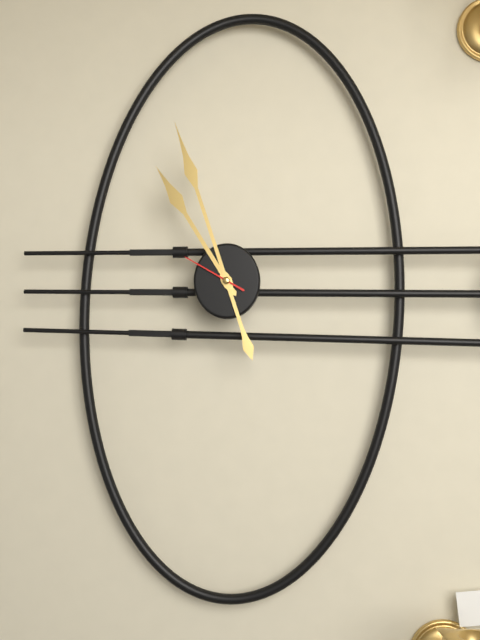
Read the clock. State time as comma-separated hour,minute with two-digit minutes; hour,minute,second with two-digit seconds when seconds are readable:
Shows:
10,57,50
